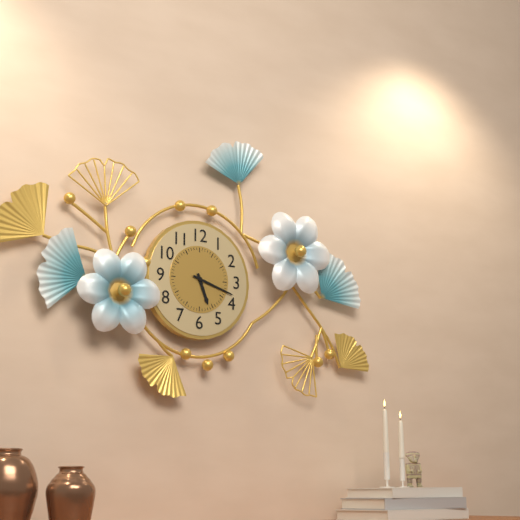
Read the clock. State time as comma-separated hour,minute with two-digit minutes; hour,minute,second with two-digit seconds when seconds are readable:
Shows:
5,18
